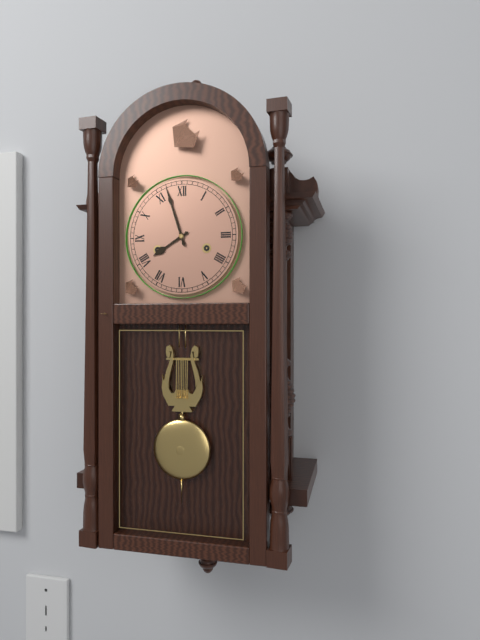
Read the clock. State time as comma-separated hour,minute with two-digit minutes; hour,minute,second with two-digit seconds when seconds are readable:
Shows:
7,57
